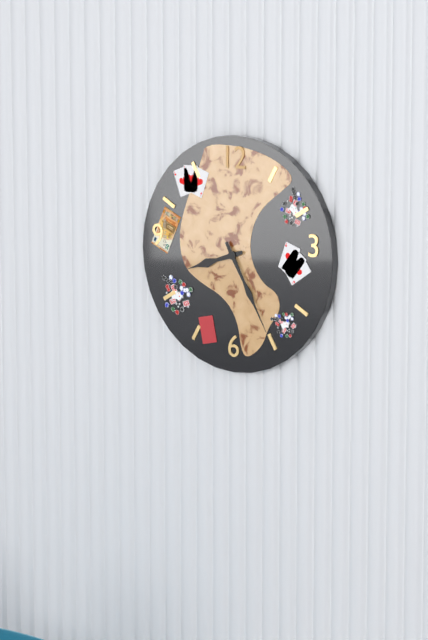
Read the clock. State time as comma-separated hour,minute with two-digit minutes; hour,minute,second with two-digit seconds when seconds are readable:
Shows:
8,25
